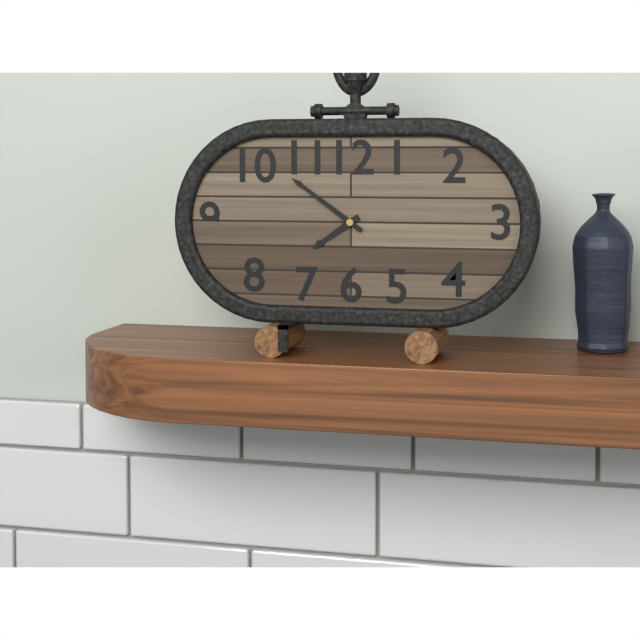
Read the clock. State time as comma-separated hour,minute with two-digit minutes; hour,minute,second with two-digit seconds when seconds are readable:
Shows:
7,51
